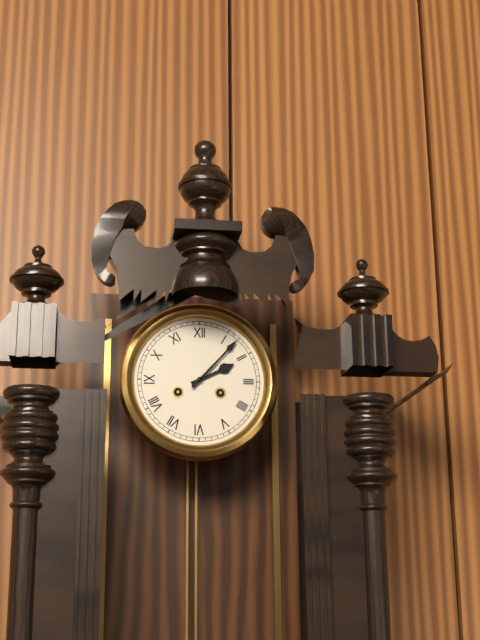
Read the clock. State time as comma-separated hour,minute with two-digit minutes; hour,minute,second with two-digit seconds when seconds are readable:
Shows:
2,07
